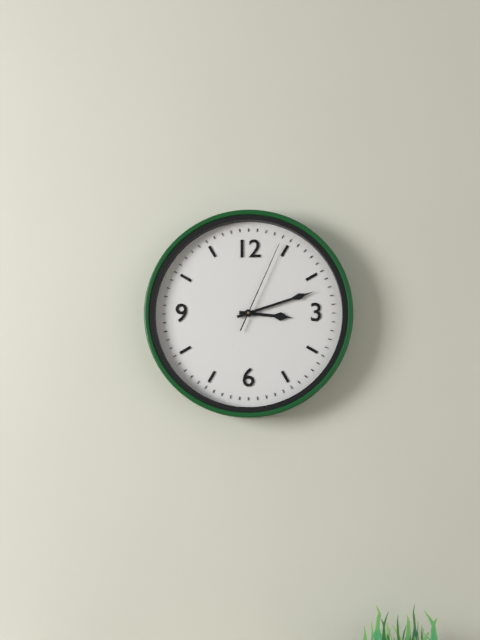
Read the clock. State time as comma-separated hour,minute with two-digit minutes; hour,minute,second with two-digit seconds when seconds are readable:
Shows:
3,12,04
